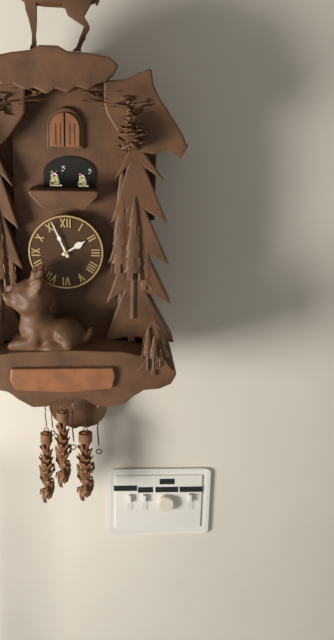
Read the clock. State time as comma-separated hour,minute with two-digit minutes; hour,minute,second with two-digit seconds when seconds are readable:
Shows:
1,56
